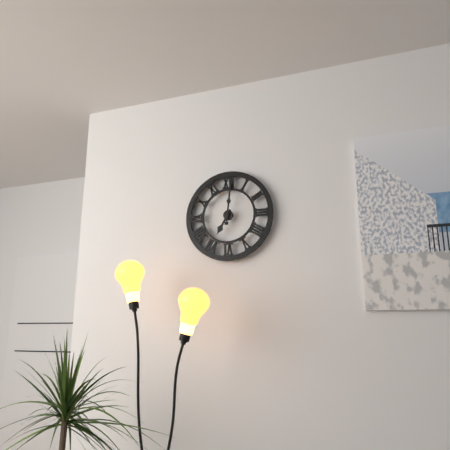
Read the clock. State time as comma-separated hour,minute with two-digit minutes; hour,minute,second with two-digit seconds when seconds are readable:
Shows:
7,01
